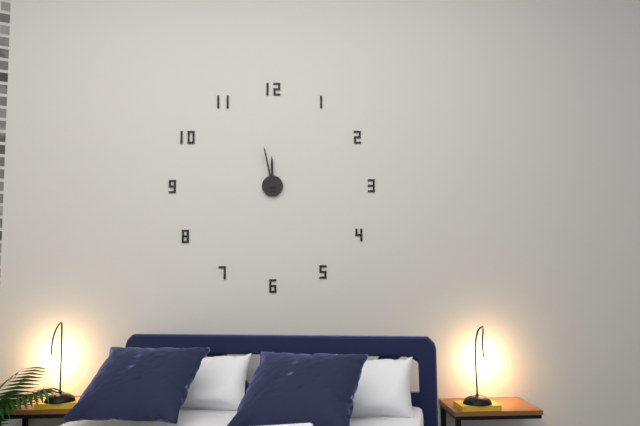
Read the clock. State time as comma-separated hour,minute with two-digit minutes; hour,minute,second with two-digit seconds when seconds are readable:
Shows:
11,58
